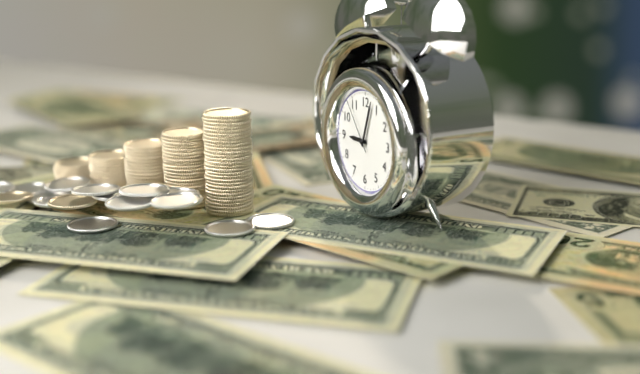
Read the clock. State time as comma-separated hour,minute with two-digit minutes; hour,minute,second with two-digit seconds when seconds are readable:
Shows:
9,03,54
